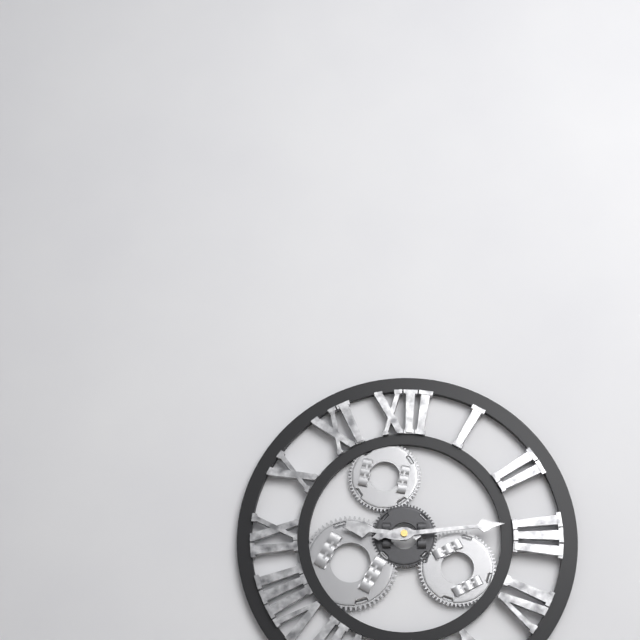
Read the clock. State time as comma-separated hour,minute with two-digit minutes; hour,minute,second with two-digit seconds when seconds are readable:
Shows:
9,14
